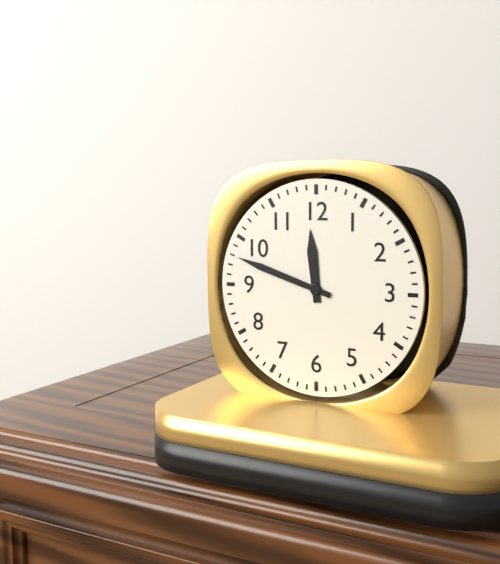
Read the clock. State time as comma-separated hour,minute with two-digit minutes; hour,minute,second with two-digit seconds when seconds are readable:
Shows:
11,48
